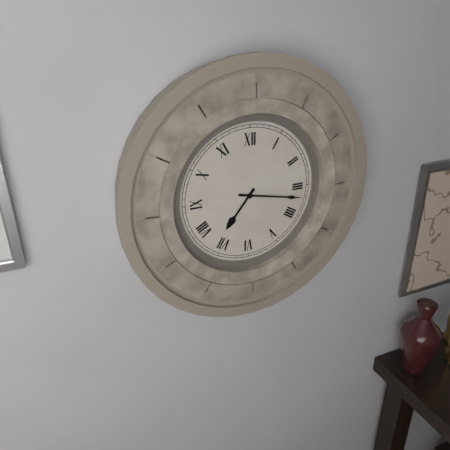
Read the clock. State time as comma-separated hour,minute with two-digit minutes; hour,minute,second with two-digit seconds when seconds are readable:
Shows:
7,17
